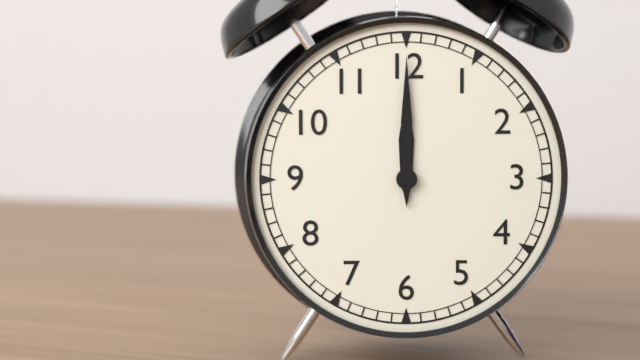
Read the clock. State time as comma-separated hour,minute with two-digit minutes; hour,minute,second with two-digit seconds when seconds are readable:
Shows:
12,00
